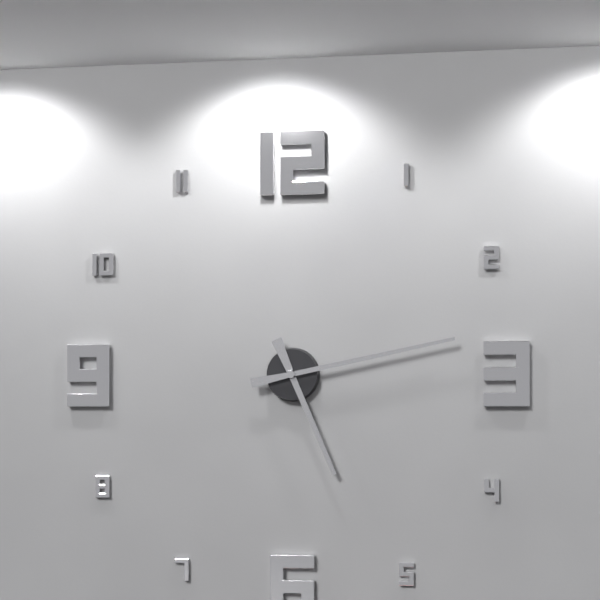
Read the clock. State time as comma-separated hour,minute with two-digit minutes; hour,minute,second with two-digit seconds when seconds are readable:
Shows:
5,13
